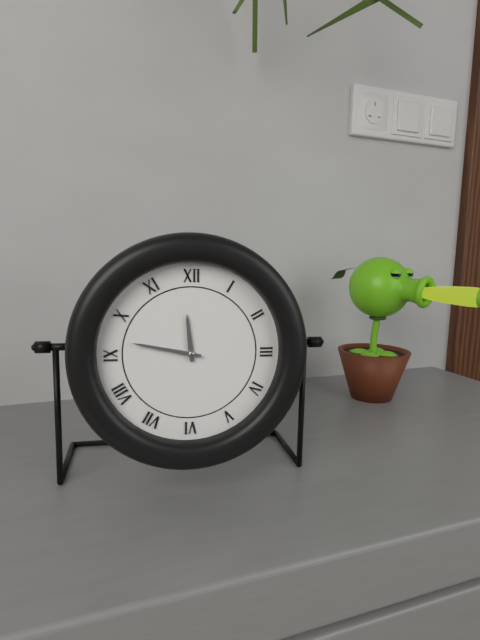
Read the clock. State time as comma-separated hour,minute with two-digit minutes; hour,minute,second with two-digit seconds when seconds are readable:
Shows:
11,47
